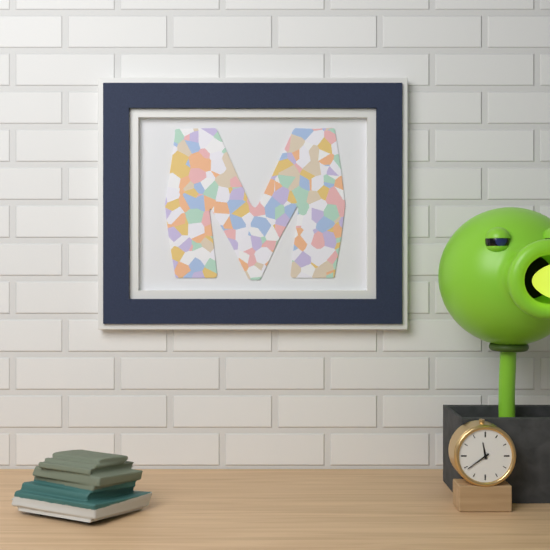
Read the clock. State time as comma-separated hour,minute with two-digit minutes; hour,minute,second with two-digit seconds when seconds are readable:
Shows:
11,39
